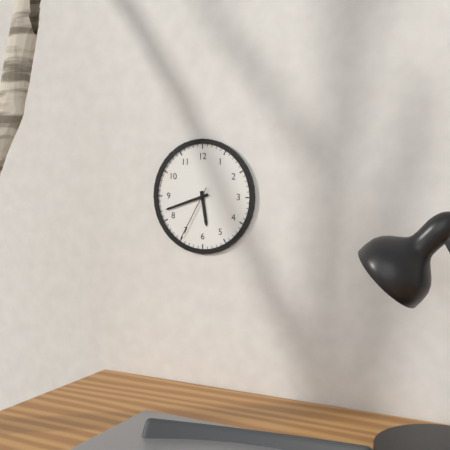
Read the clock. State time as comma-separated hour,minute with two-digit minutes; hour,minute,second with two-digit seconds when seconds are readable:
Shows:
5,42,35
